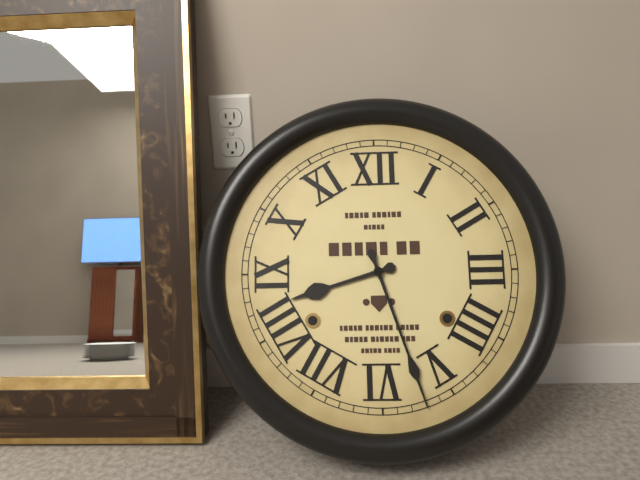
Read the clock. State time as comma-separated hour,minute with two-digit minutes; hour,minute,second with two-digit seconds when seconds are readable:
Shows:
8,27
